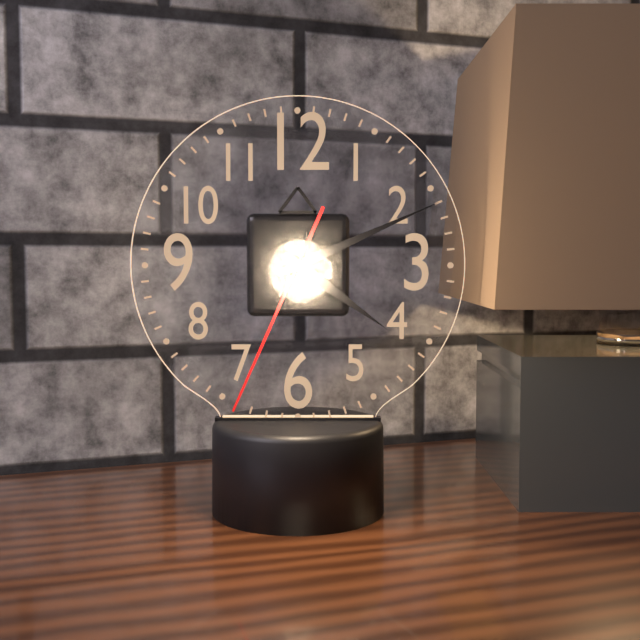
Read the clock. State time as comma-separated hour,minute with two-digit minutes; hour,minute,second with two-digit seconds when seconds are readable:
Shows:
4,11,34
